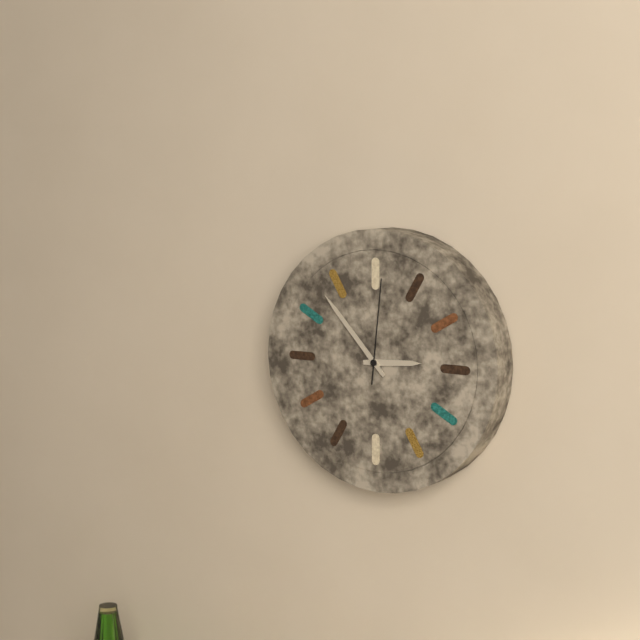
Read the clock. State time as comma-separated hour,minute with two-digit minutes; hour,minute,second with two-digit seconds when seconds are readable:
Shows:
2,53,01
